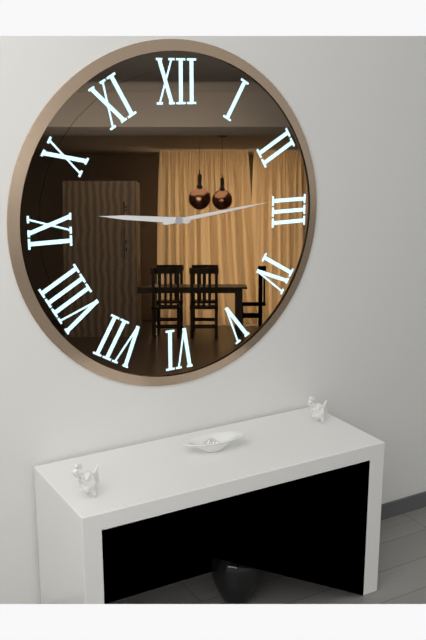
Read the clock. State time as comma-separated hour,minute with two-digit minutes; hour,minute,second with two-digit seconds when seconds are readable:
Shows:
9,14
